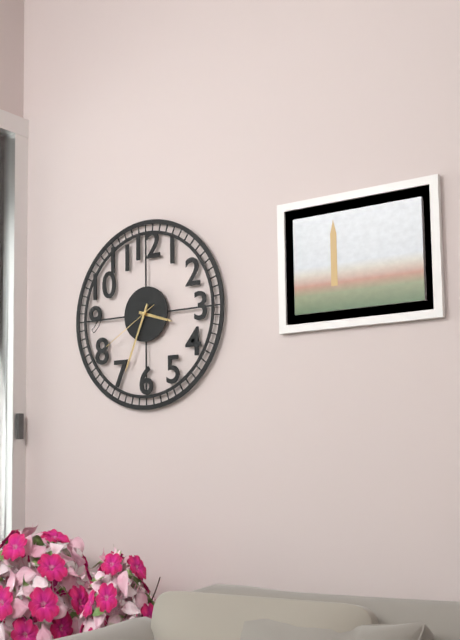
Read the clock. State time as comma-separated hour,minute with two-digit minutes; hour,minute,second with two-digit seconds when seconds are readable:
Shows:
3,34,40
